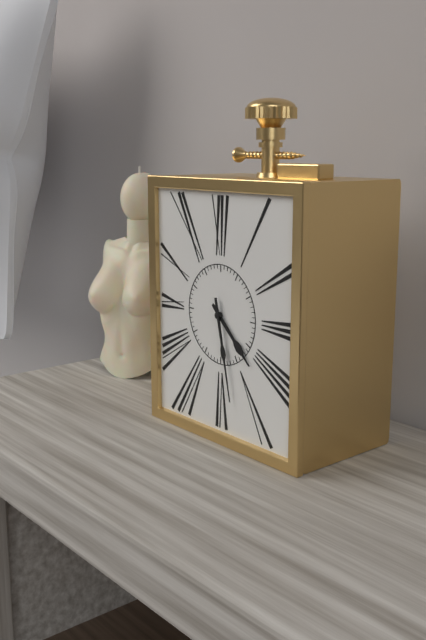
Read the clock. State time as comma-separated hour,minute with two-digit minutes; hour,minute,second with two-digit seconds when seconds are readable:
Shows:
4,28
